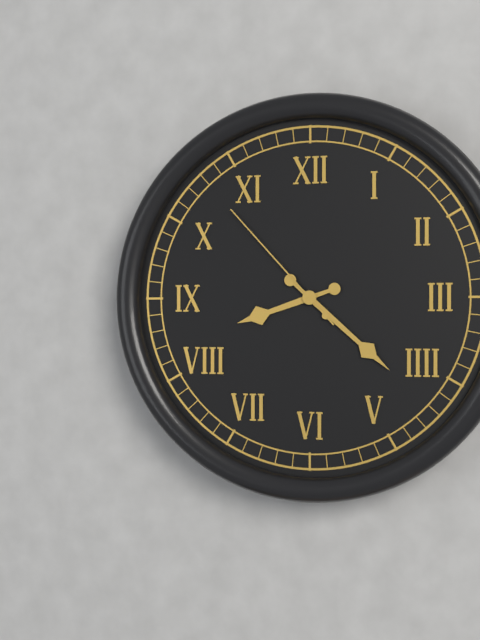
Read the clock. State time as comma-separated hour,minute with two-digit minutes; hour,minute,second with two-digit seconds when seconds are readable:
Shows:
8,22,53
